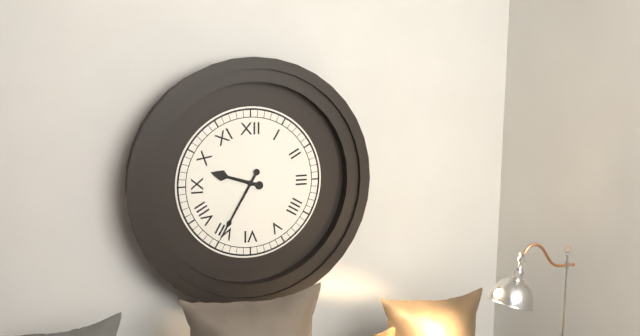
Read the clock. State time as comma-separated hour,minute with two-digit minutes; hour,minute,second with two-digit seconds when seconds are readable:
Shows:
9,35
